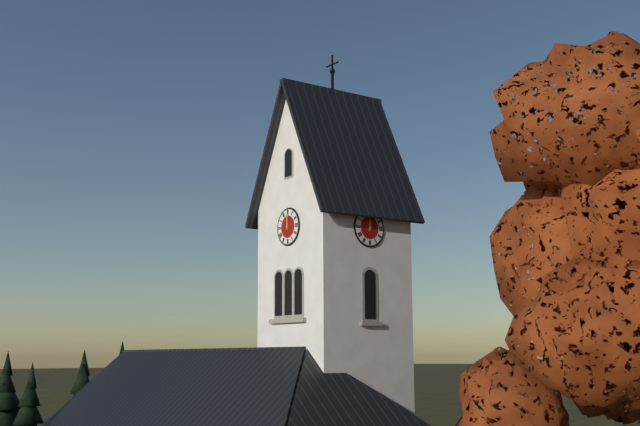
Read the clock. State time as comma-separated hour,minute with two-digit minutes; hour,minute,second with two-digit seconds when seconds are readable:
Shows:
12,00
